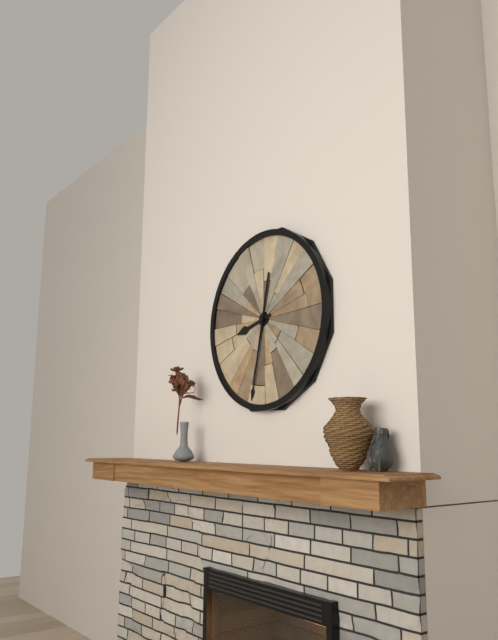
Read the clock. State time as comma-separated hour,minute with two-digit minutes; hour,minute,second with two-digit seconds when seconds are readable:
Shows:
8,32
